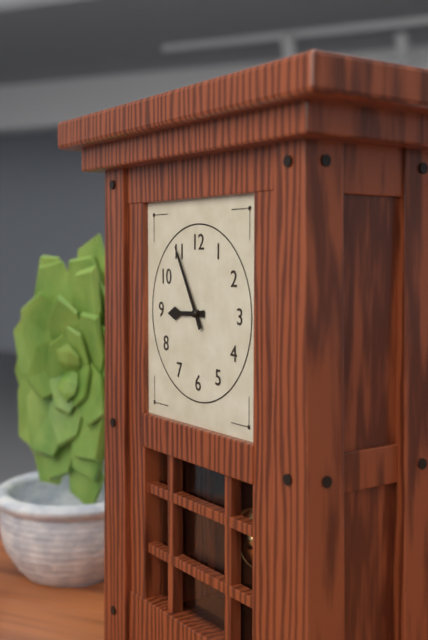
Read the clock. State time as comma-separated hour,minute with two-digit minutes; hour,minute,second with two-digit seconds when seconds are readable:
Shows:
8,55
